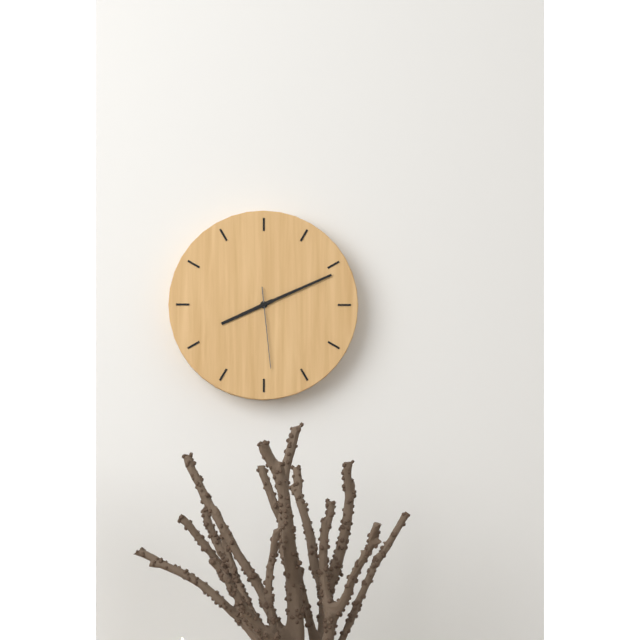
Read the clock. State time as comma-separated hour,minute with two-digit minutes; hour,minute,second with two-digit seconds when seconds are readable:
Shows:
8,11,29
